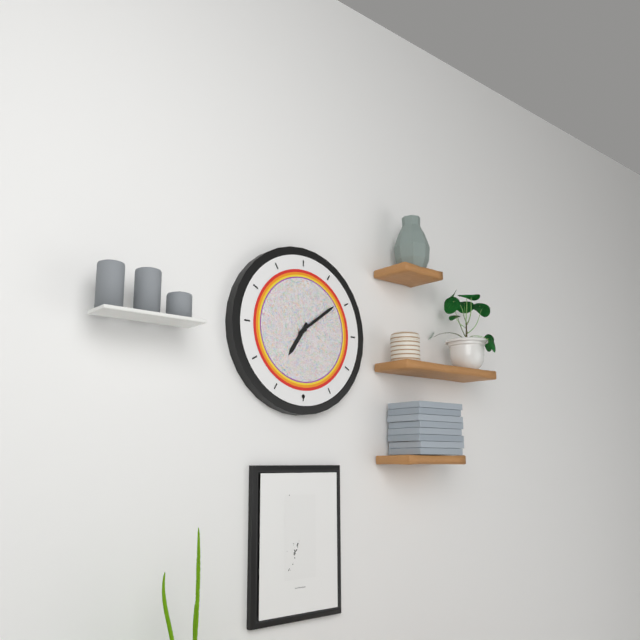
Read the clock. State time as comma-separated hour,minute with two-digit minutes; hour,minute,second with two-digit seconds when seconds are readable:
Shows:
7,09
